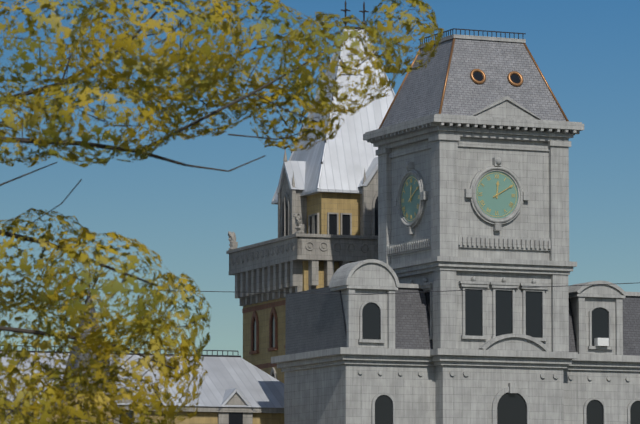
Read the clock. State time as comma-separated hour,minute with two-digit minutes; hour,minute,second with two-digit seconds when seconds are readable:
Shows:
12,10
